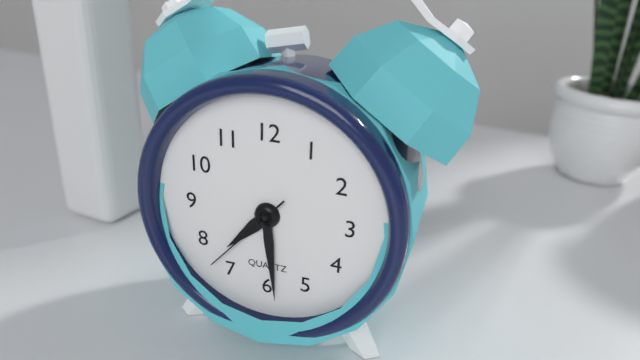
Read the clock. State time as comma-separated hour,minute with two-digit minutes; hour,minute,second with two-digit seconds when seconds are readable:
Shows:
7,29,37
